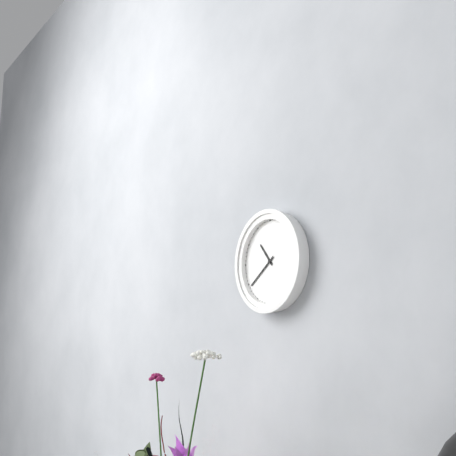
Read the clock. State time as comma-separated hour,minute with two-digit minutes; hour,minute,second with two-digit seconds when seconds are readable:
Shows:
10,39
